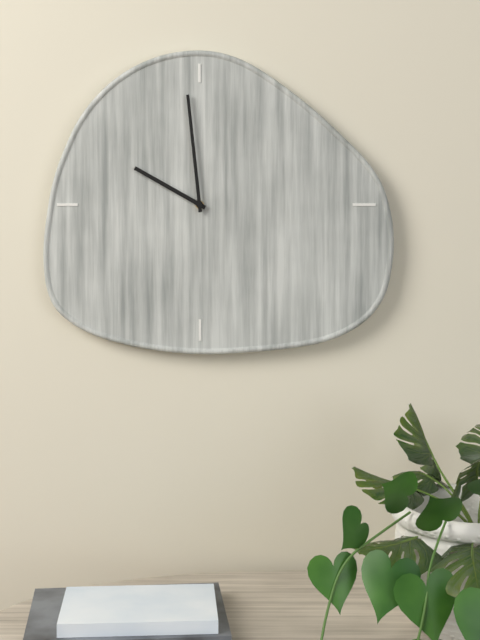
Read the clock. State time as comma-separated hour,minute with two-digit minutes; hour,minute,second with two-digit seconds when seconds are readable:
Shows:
9,59
